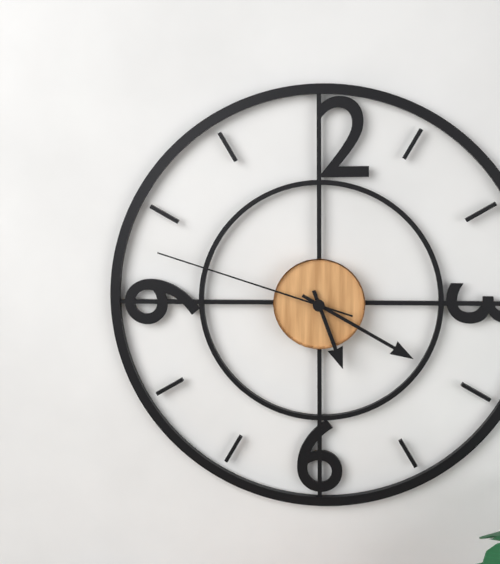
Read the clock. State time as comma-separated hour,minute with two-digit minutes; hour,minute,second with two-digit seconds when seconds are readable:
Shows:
5,20,48
